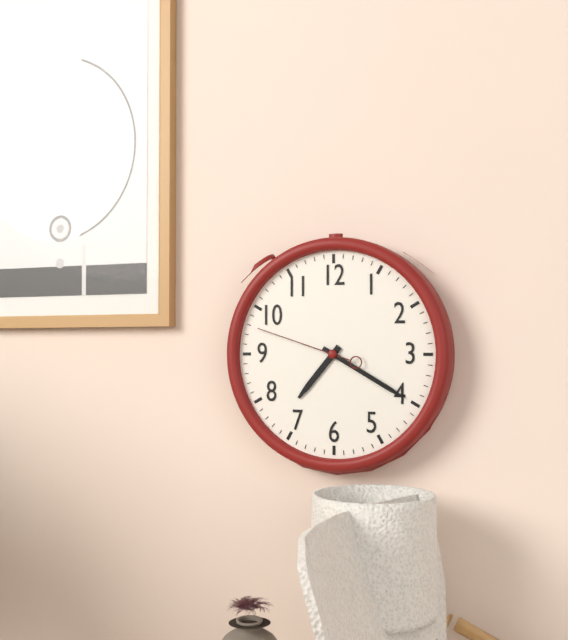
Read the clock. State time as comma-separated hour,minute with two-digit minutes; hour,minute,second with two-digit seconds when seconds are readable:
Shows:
7,20,48
